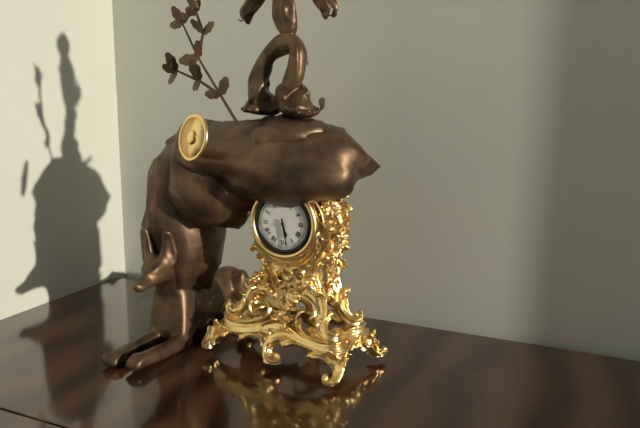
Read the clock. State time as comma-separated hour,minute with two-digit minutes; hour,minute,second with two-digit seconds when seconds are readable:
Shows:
5,28
